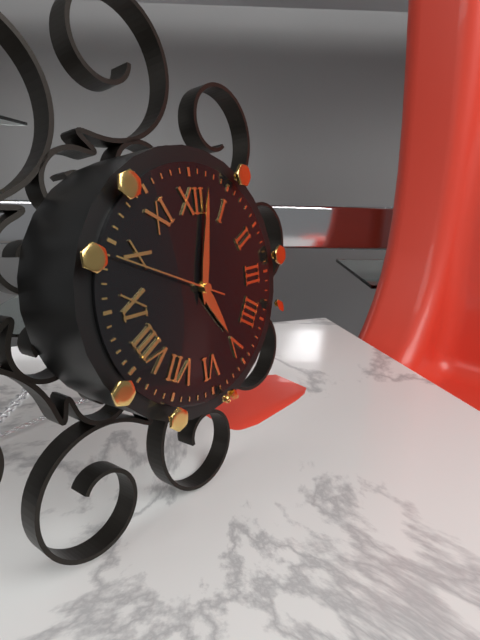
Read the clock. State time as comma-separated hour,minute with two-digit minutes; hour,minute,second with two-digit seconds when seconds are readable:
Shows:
5,02,49
